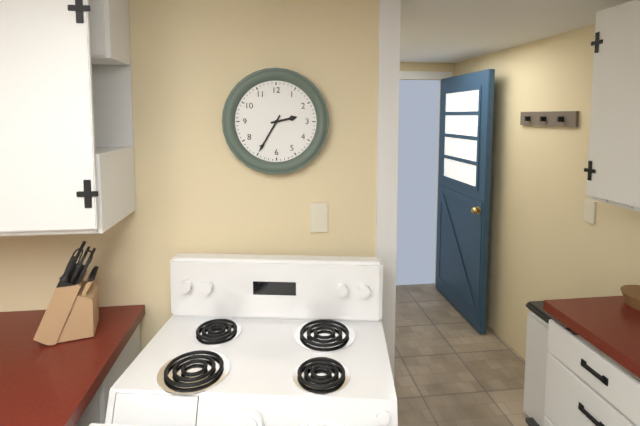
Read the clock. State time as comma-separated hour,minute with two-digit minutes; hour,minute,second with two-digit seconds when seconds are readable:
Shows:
2,35
